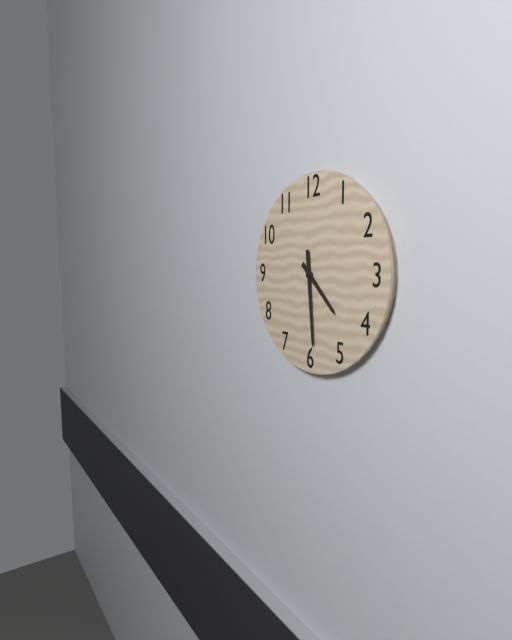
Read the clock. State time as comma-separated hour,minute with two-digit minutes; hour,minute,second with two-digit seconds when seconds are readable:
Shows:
4,29
